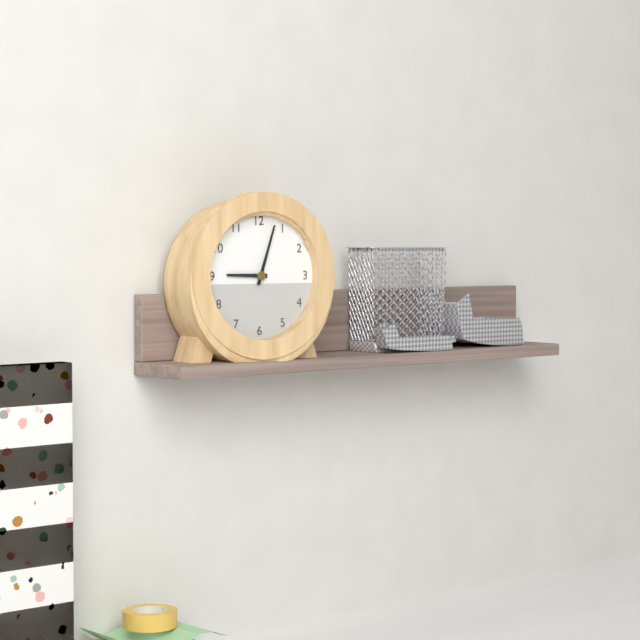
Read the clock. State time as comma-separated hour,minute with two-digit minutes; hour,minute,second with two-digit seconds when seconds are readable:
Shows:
9,03
